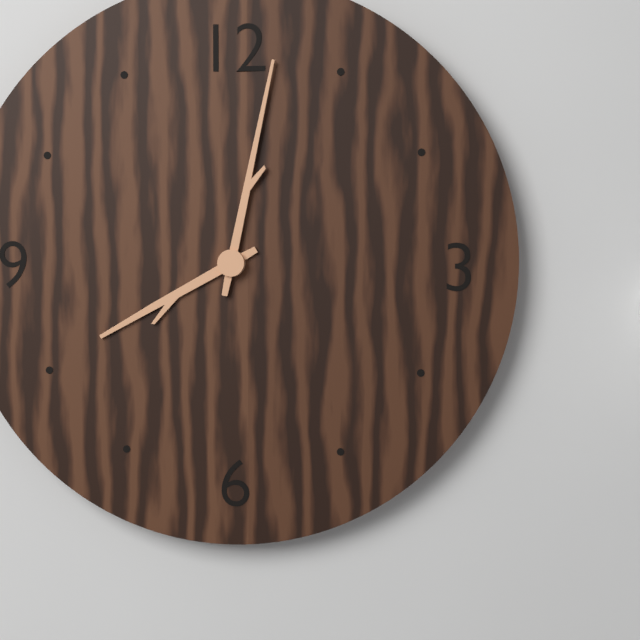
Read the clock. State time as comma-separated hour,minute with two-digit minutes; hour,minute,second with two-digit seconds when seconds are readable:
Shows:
8,02
